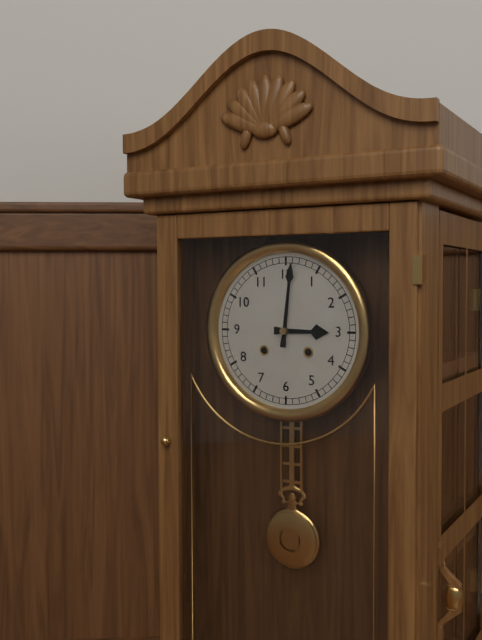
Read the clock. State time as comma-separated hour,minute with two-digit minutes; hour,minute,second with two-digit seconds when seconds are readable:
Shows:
3,01
